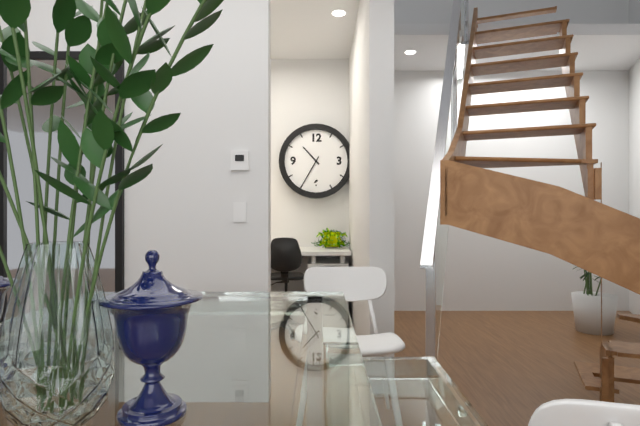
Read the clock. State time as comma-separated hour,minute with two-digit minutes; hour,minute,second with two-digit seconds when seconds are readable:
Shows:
10,35
